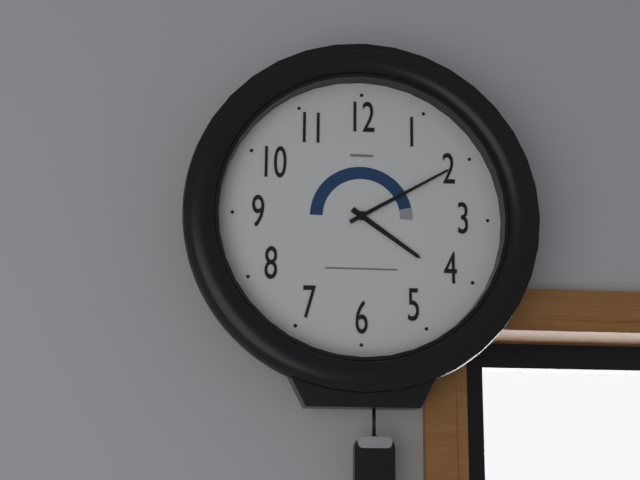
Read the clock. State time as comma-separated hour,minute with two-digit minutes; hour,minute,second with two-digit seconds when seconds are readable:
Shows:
4,10
